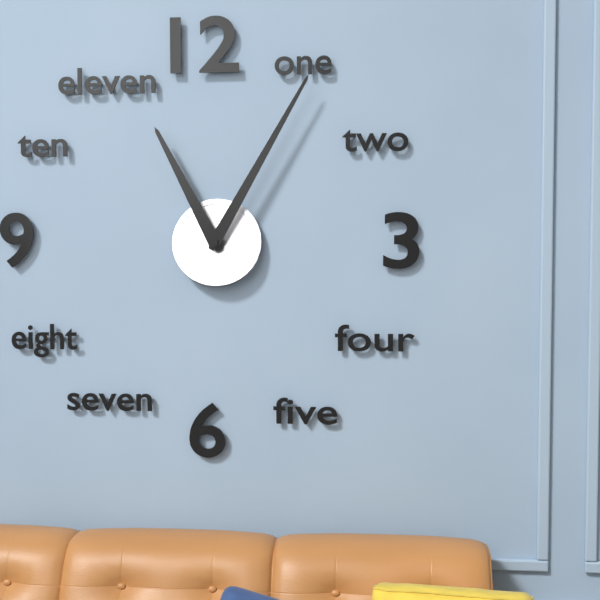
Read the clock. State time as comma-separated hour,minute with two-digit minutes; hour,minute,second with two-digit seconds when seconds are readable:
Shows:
11,05
